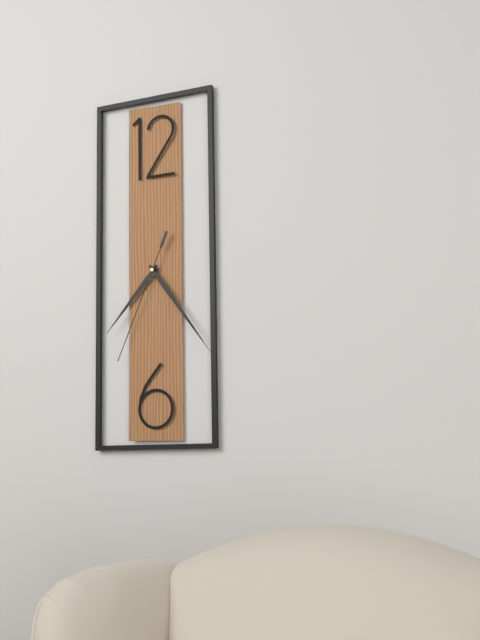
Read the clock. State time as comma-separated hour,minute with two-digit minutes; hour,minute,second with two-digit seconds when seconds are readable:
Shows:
7,24,34
